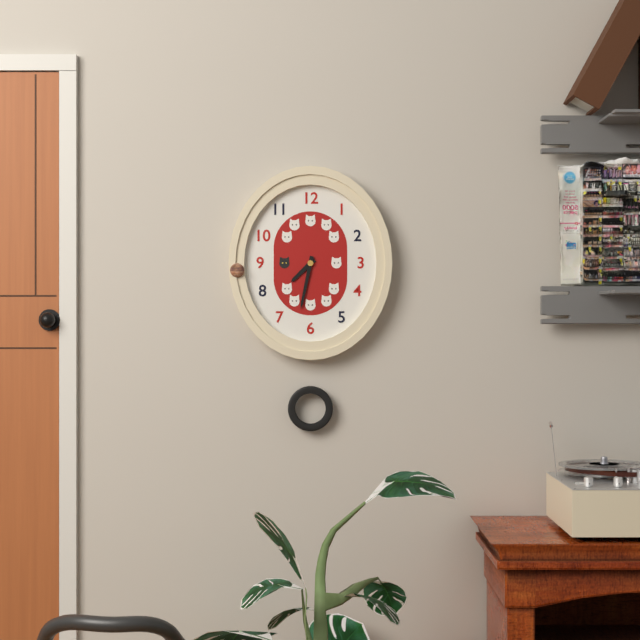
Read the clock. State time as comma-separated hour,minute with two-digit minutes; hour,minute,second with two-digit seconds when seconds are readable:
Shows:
7,32
